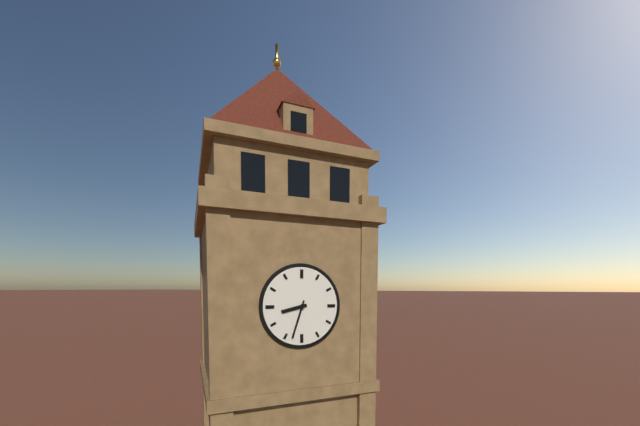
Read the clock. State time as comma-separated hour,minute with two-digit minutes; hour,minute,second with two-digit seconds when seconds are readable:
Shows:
8,33
